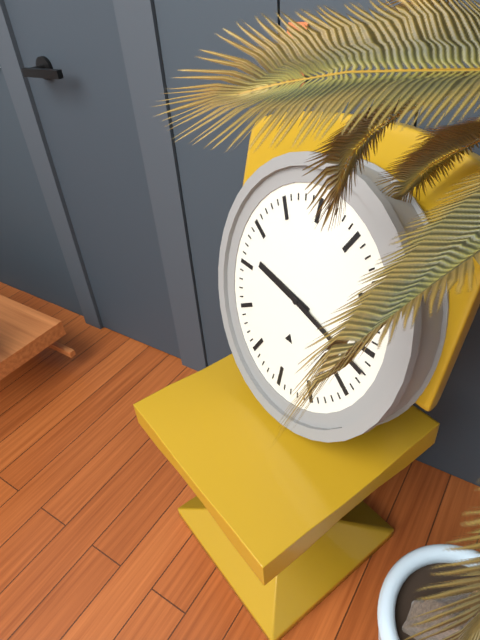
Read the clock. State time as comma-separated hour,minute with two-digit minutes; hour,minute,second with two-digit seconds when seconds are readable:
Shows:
9,17
